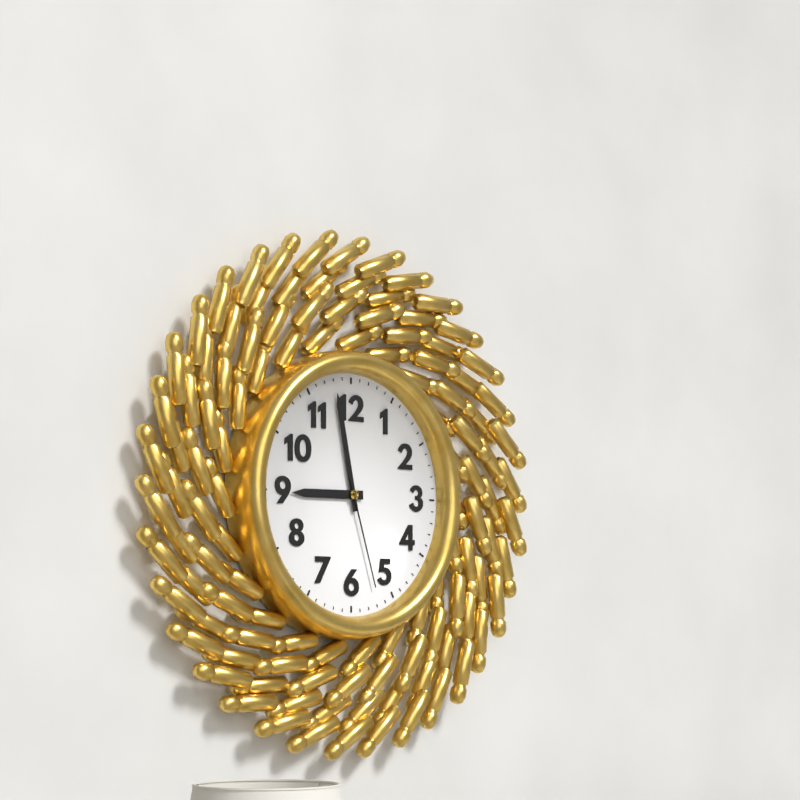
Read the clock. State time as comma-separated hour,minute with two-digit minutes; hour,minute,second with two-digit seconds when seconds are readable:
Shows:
8,58,27
